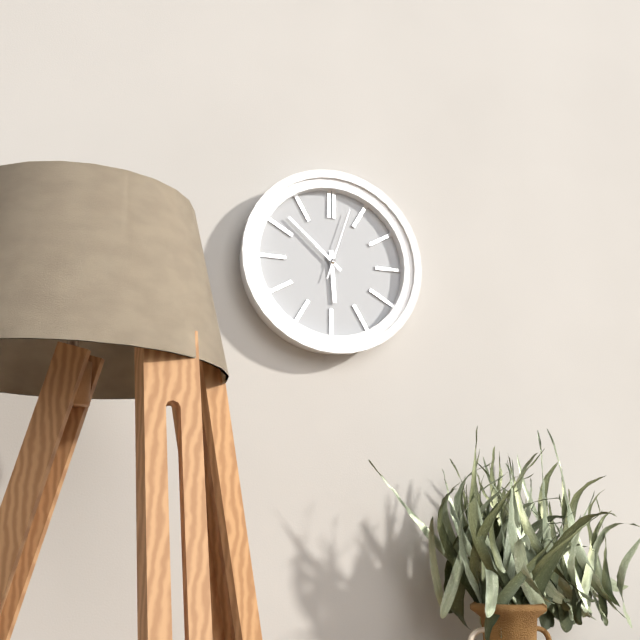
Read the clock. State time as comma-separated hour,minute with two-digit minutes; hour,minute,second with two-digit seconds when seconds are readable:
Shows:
5,52,03
